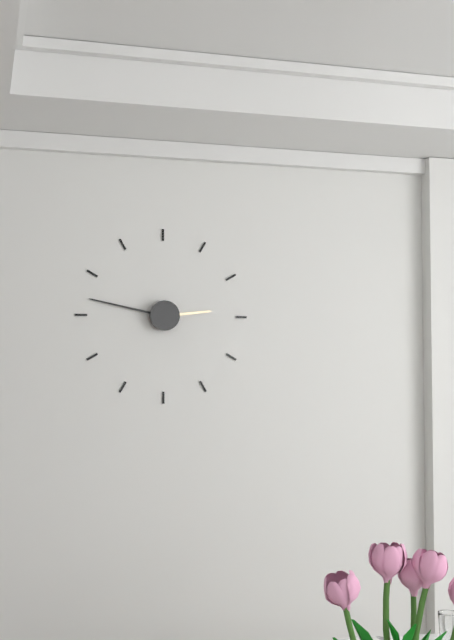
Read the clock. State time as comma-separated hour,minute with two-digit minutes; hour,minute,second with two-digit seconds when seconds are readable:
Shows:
2,47
